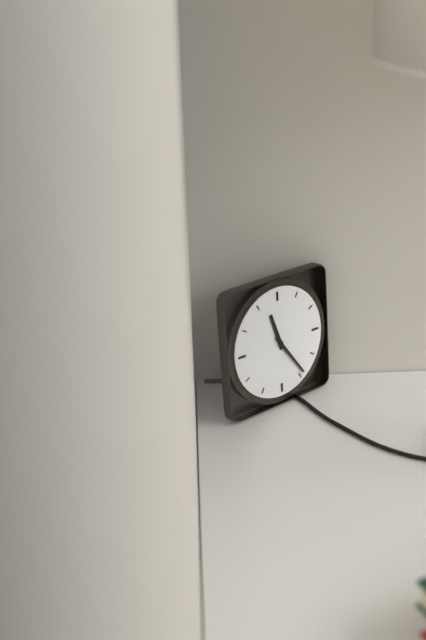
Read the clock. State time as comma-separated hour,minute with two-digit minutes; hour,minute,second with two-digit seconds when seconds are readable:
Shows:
11,24
